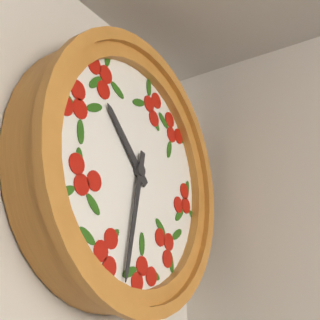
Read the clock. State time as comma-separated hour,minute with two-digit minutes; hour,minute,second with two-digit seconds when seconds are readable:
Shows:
10,32
